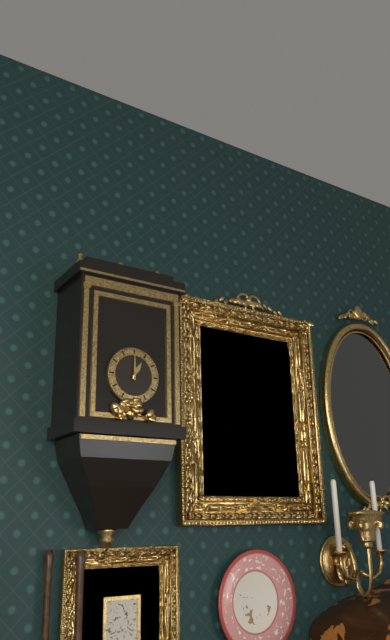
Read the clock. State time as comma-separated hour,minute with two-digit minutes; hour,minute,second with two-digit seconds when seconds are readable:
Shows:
1,00
